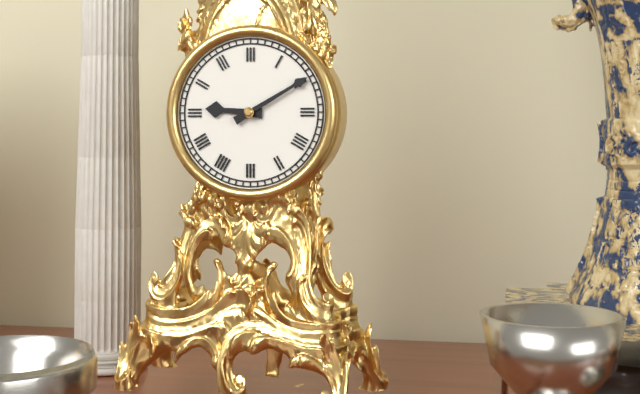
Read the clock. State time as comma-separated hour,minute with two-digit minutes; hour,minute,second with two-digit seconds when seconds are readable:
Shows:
9,10
